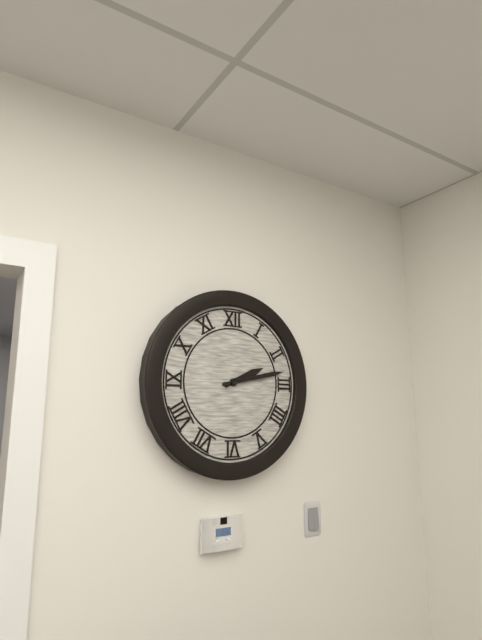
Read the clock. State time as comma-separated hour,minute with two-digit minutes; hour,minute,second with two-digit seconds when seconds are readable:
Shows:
2,13
